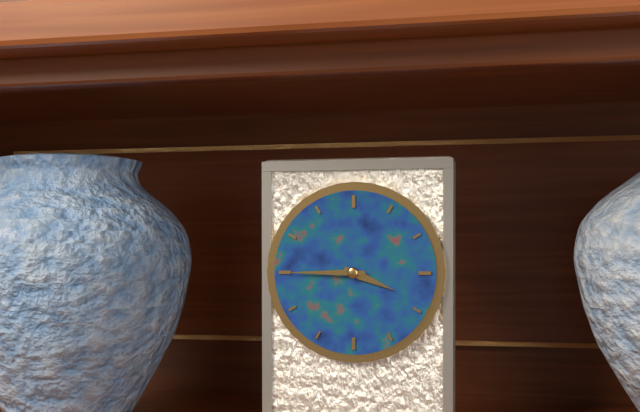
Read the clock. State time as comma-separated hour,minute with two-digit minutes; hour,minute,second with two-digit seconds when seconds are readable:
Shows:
3,45
